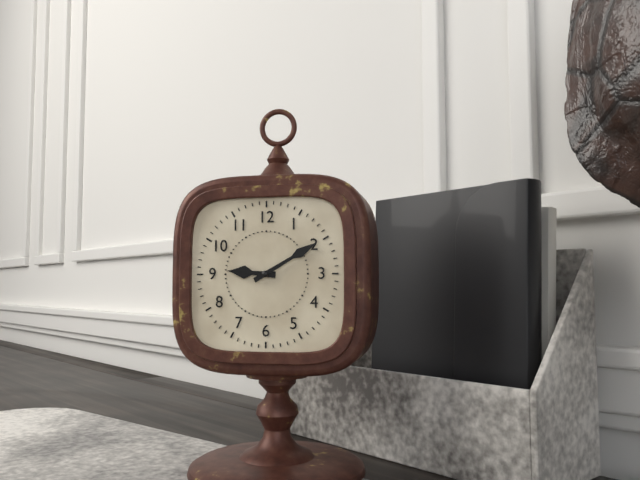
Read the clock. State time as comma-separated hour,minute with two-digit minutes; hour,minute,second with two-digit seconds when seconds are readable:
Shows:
9,10
